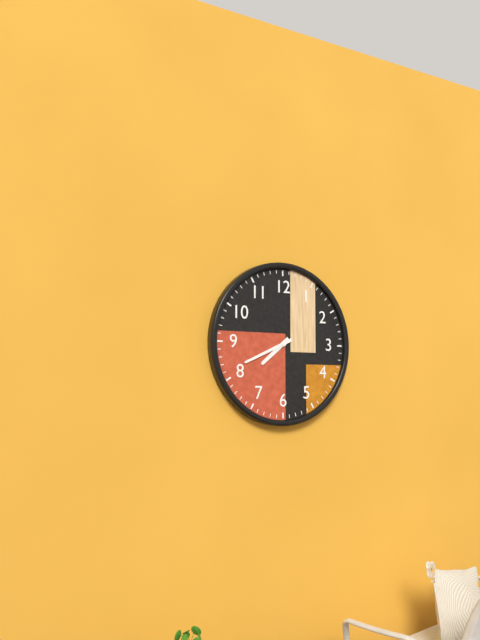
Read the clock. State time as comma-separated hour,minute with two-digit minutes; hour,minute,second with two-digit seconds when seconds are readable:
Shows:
7,41
